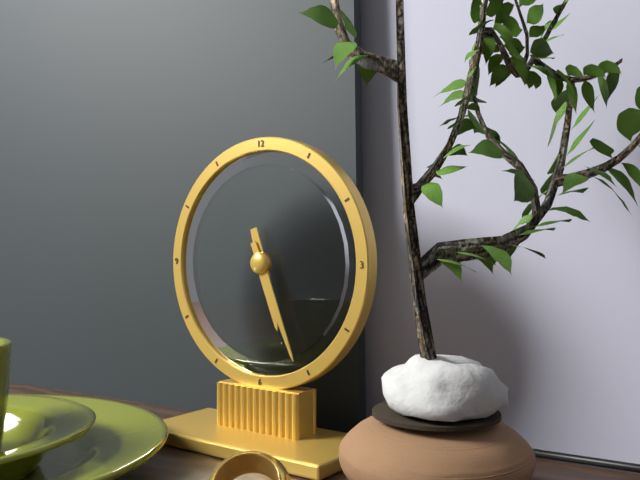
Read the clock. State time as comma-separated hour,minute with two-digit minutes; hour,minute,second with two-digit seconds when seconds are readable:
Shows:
5,26
